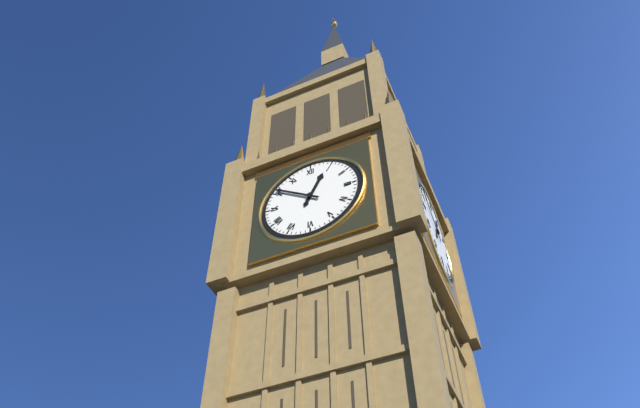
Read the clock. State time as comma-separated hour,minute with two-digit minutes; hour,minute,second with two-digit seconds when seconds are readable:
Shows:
12,51
